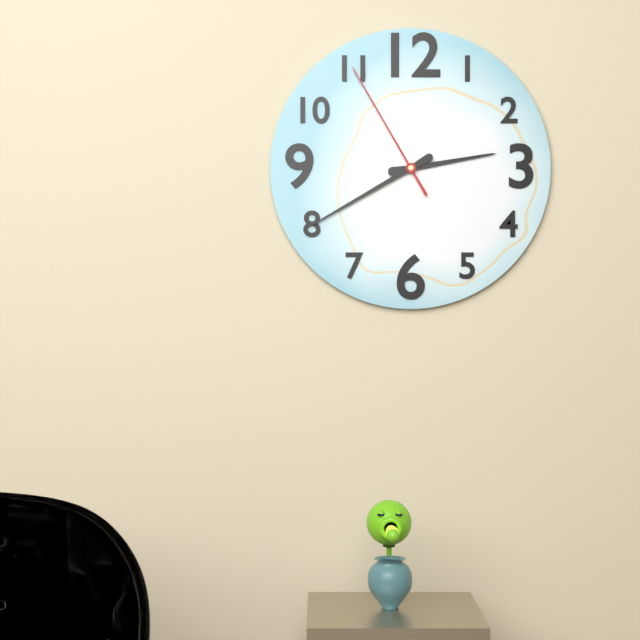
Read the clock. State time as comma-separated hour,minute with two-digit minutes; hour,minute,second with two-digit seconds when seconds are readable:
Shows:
2,40,55
